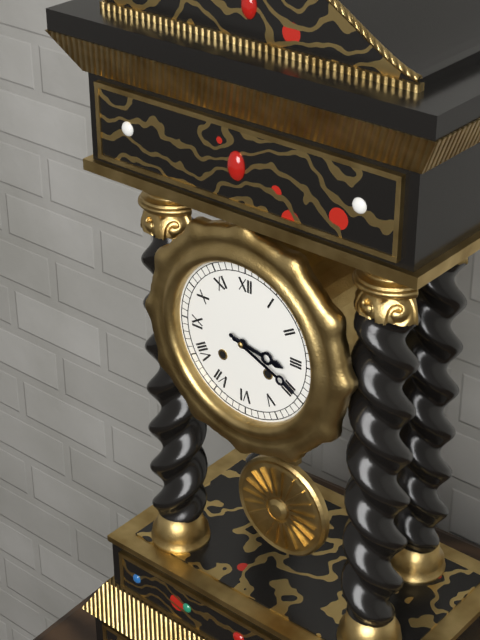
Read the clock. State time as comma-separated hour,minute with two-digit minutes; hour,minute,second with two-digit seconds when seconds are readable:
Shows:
3,19
